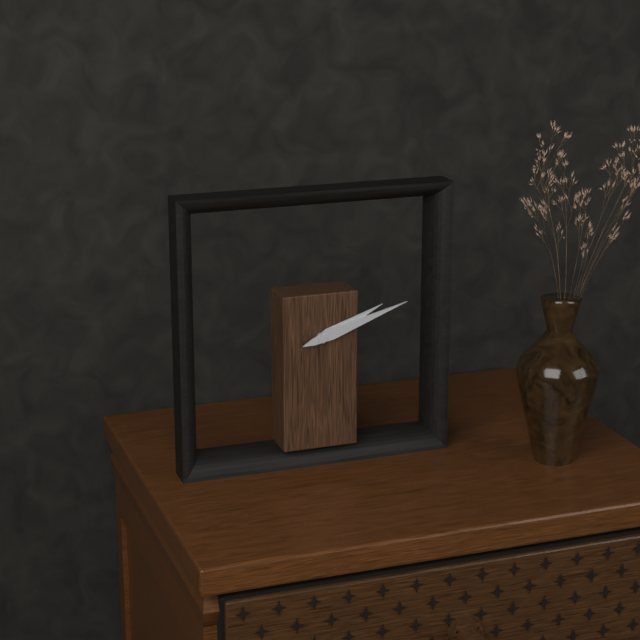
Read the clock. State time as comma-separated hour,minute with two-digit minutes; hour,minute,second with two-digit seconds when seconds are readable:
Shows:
2,12
